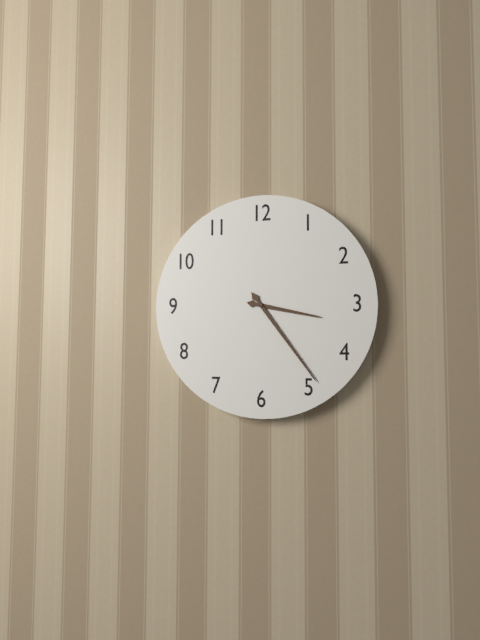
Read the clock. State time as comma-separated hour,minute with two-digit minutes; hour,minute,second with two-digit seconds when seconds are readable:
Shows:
3,24
